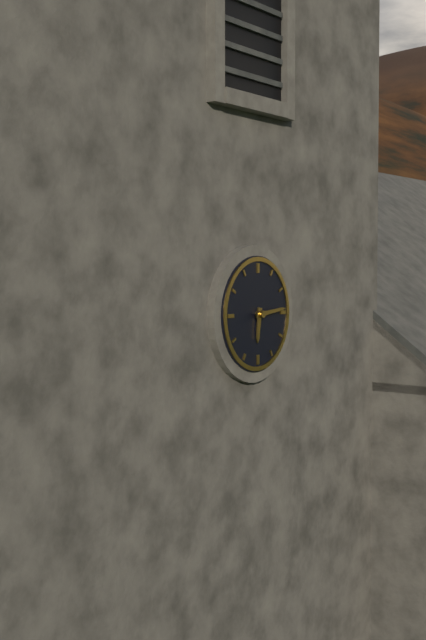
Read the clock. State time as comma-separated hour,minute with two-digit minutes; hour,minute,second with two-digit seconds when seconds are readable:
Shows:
6,14
